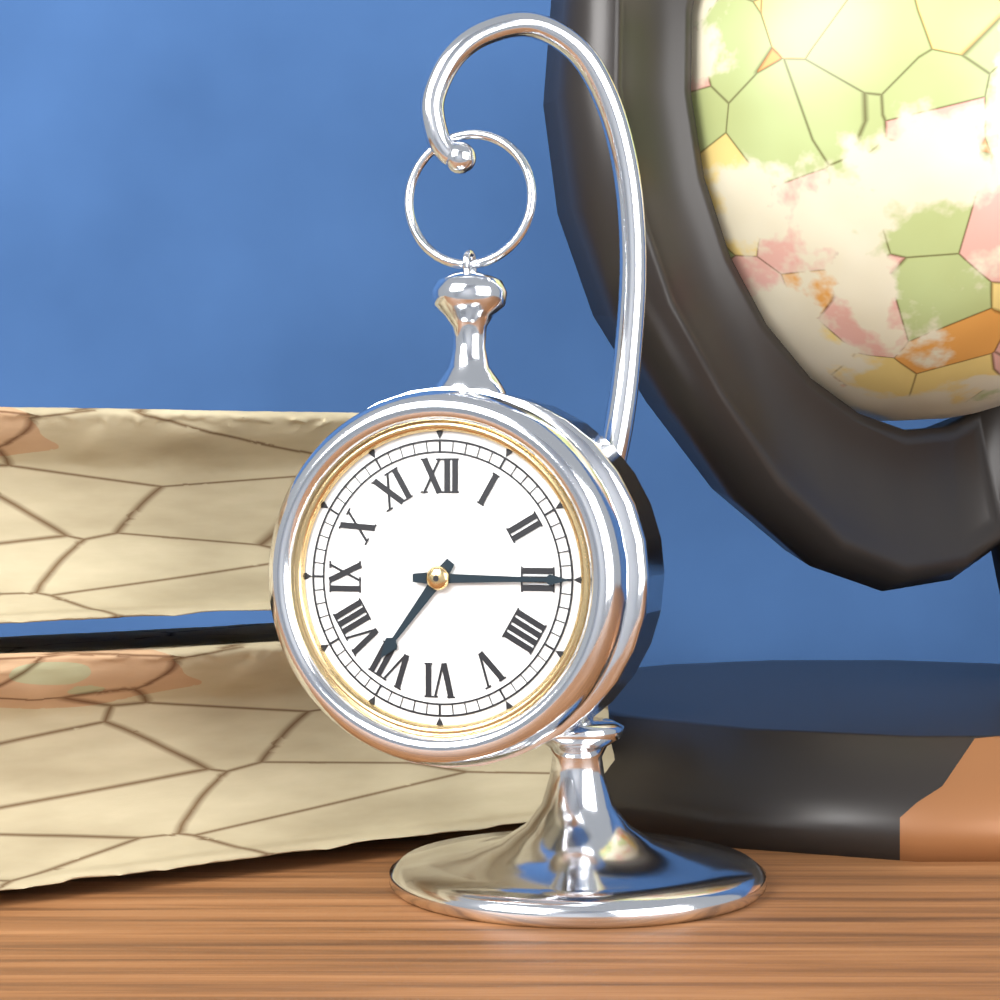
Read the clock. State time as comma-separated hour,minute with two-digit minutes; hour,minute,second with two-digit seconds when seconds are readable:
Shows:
7,15
